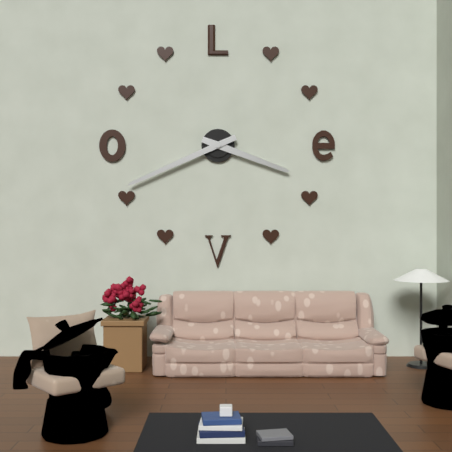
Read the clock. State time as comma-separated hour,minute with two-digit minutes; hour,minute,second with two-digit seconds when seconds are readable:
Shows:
3,41
